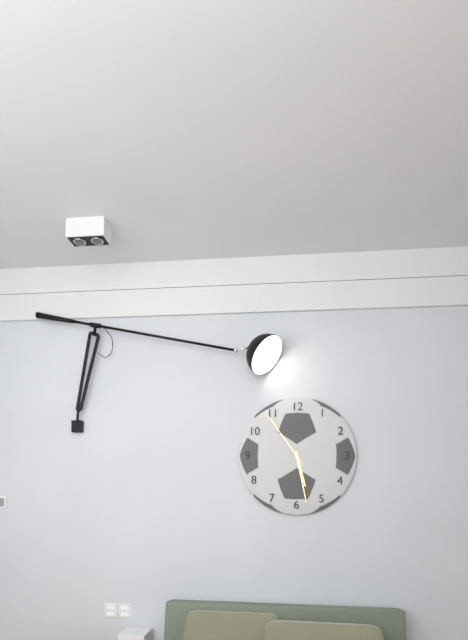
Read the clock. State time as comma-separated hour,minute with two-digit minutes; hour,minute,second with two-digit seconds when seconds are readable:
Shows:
5,28,54
